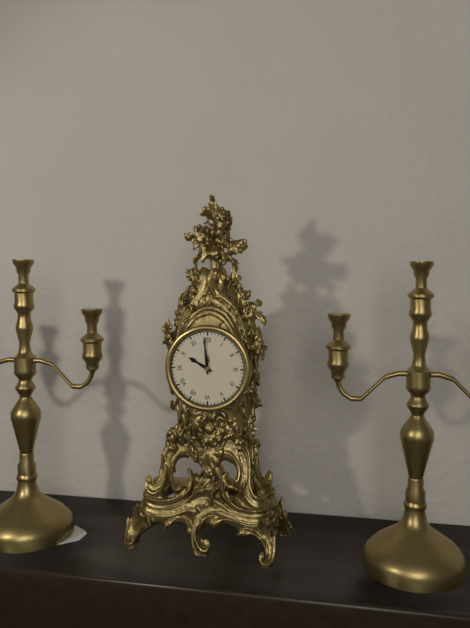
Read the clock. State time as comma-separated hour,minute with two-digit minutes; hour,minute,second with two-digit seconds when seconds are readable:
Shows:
9,59
